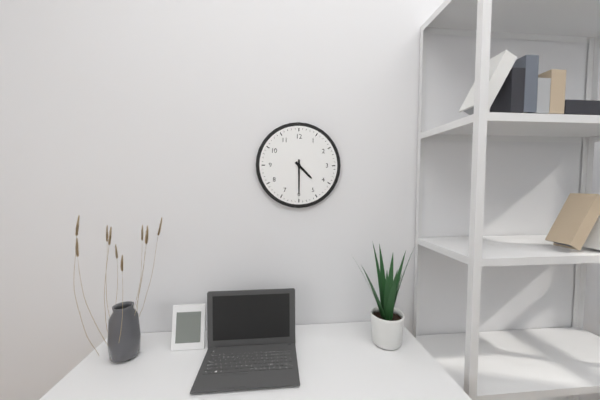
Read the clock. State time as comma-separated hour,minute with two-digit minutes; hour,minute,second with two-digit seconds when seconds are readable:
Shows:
4,30
